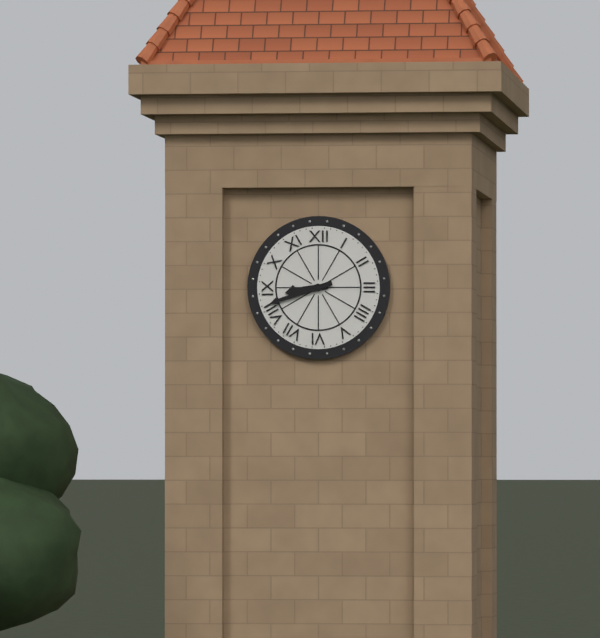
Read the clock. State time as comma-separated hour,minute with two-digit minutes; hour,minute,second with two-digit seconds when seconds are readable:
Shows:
8,42
